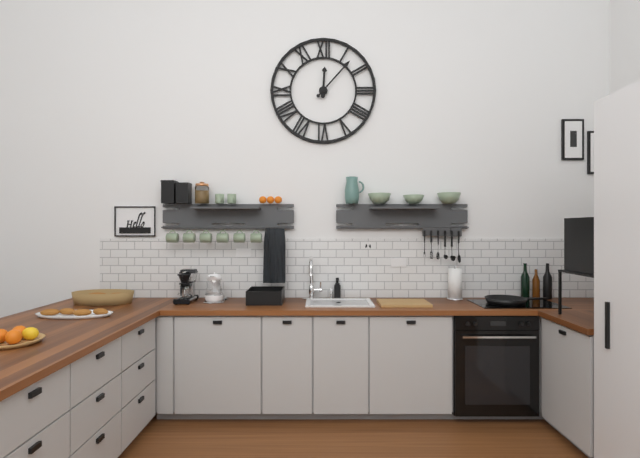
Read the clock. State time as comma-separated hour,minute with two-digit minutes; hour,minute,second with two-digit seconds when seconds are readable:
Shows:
12,07
